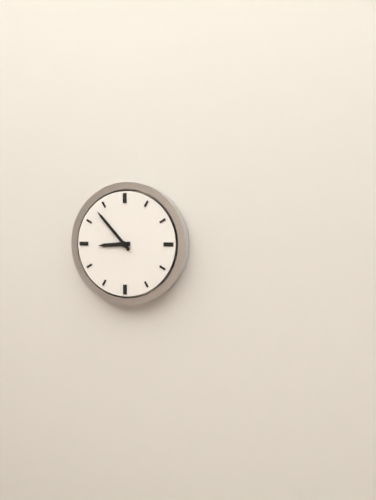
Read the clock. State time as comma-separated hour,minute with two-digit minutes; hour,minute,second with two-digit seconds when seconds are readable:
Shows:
8,53
